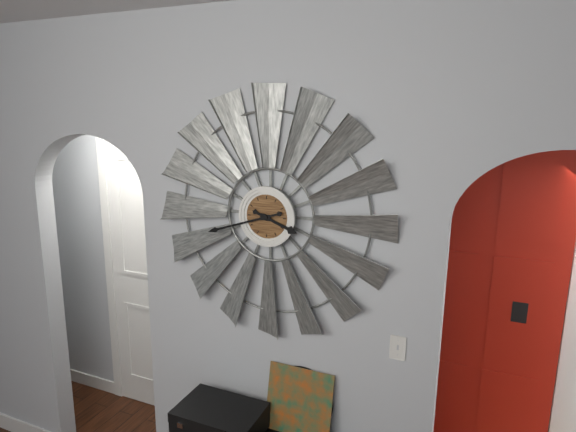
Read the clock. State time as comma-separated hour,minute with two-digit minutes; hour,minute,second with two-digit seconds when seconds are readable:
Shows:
3,42
